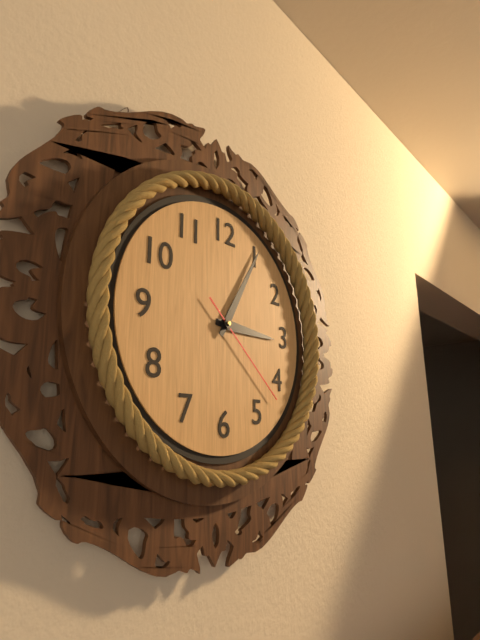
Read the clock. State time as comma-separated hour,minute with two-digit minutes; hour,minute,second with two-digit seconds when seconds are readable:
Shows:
3,05,22
